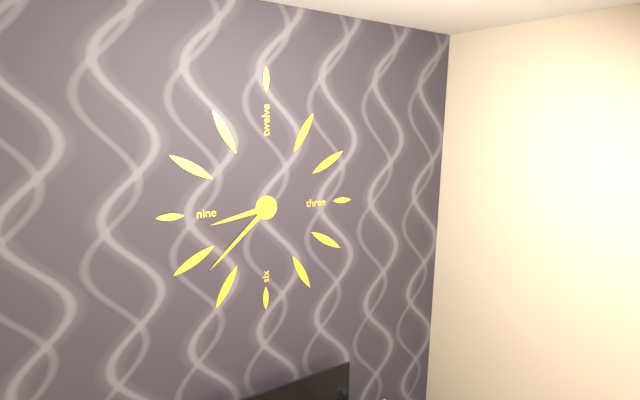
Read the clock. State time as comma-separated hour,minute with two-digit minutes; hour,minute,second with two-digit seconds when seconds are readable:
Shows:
8,38
